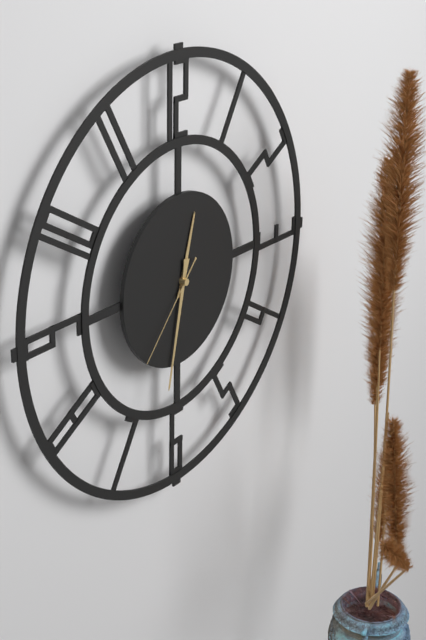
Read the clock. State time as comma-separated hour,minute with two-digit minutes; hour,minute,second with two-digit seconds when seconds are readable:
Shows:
12,32,37
